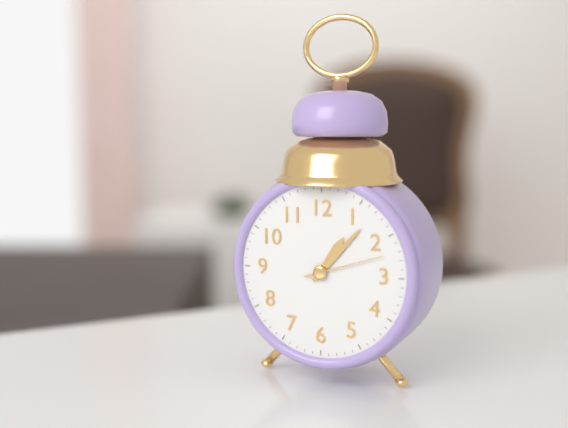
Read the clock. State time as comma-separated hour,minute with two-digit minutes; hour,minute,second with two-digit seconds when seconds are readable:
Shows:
1,07,12
